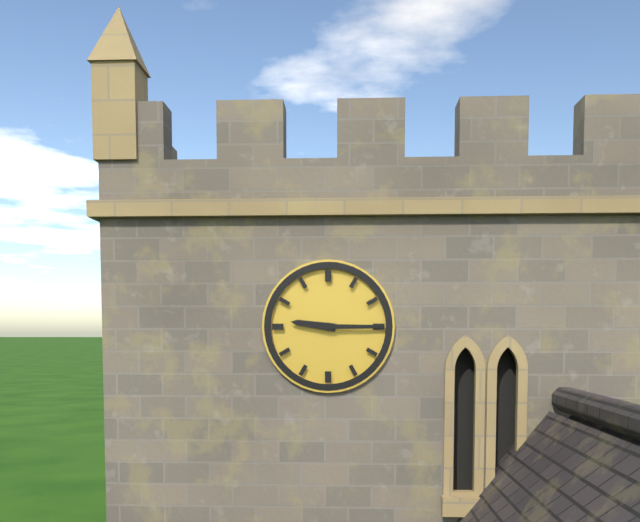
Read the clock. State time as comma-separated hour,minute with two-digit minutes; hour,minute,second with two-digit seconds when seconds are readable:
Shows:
9,15
